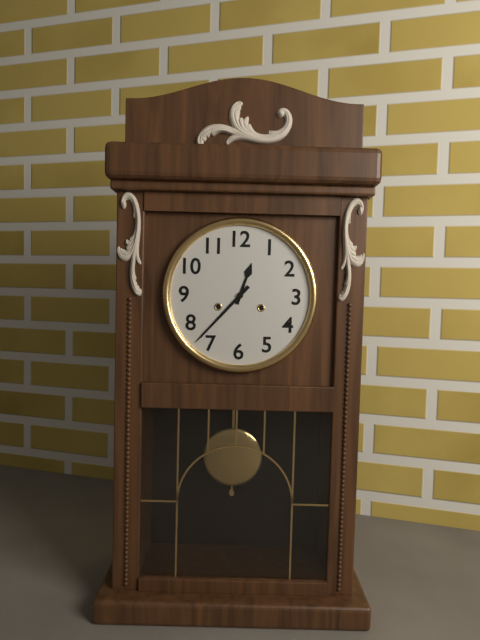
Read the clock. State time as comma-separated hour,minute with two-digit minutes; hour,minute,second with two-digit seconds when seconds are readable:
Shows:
12,37
